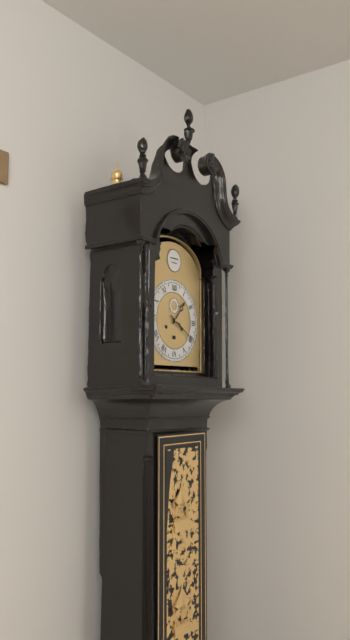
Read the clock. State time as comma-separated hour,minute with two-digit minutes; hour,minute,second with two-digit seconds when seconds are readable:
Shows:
1,20
